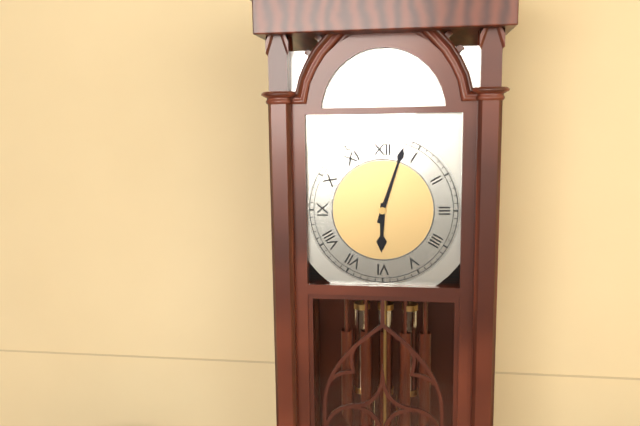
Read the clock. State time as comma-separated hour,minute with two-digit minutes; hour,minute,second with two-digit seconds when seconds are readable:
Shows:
6,03
